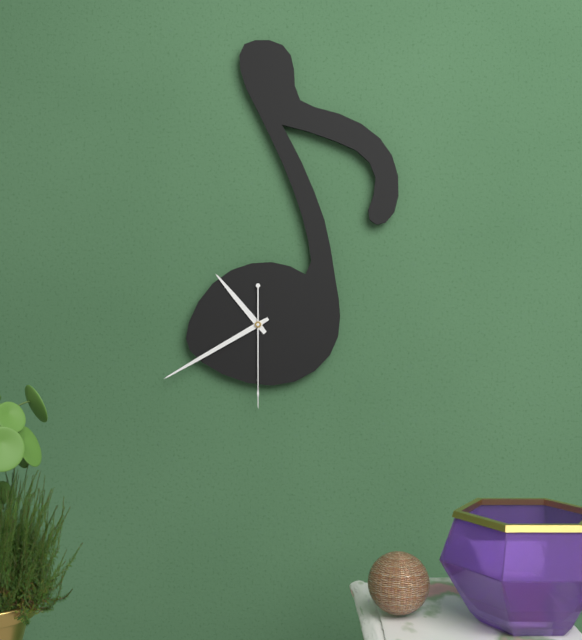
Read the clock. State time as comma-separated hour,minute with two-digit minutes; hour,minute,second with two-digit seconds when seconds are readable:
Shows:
10,40,30
